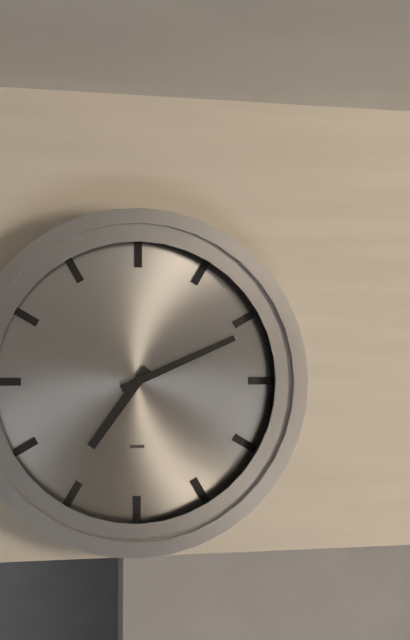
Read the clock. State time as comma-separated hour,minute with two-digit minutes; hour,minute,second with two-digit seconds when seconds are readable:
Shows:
7,11
